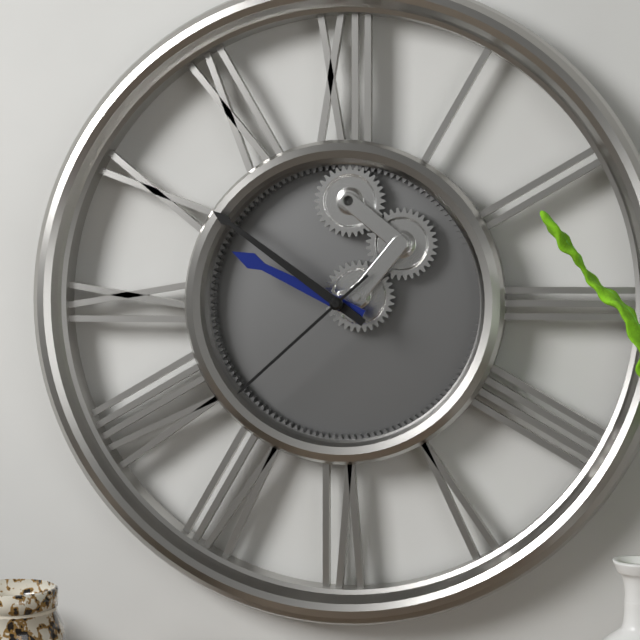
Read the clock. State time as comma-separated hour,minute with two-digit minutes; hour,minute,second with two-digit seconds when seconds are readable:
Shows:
9,51,38
